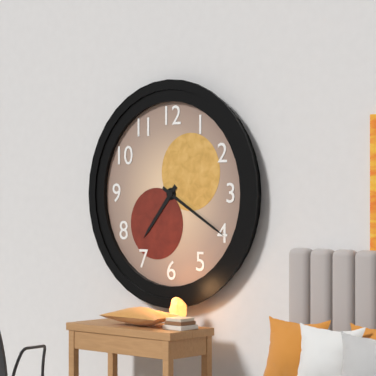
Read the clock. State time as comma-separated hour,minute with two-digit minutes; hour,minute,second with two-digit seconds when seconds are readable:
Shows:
7,20
